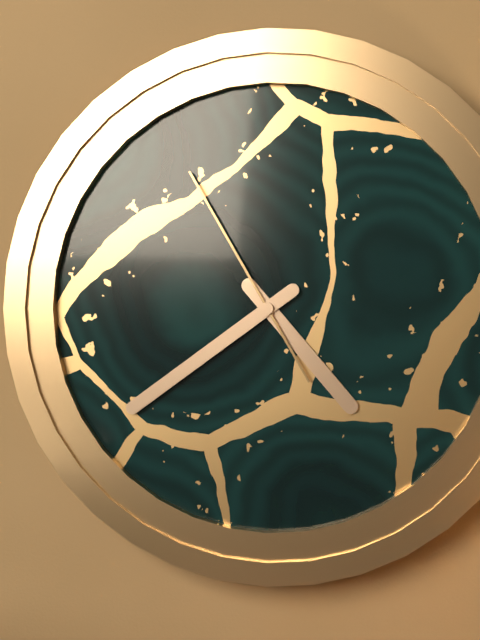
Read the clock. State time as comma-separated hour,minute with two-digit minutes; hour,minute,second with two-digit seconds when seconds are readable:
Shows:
4,39,55
